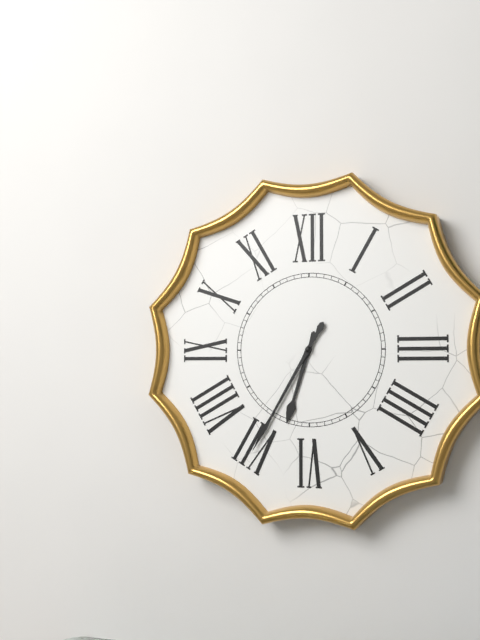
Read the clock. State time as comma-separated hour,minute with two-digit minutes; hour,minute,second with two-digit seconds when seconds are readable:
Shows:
6,35
